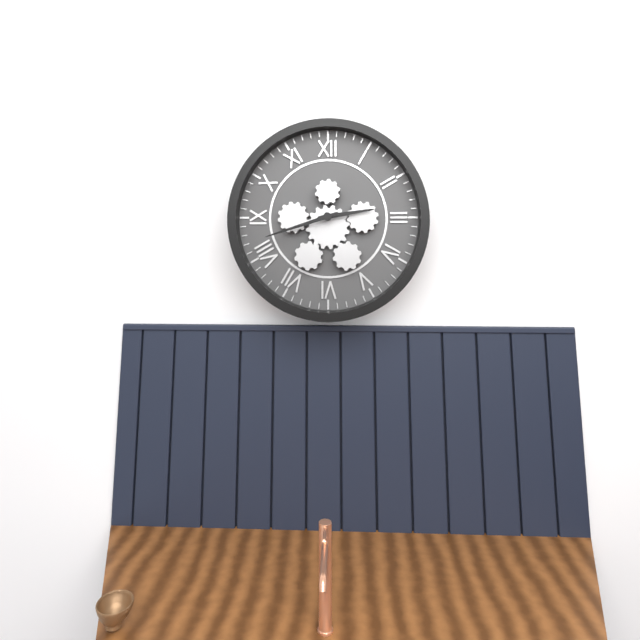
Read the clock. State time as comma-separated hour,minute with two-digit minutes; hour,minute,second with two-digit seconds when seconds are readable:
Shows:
2,42
